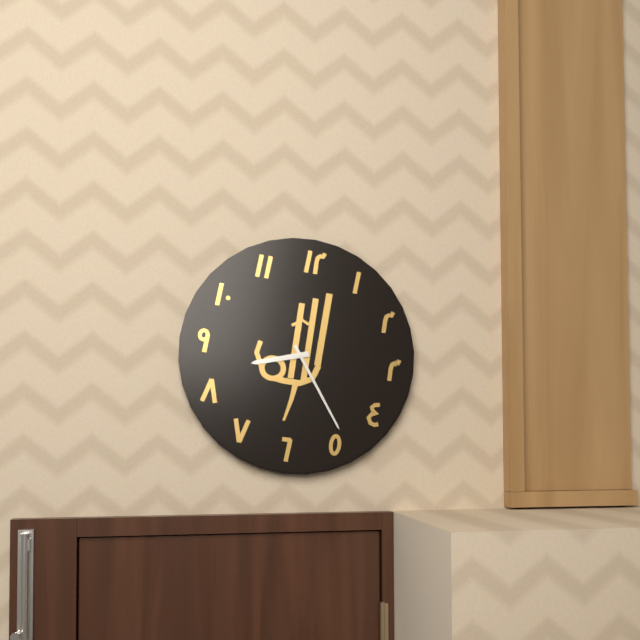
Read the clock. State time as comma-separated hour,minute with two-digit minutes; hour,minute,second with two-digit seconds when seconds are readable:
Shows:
8,24
